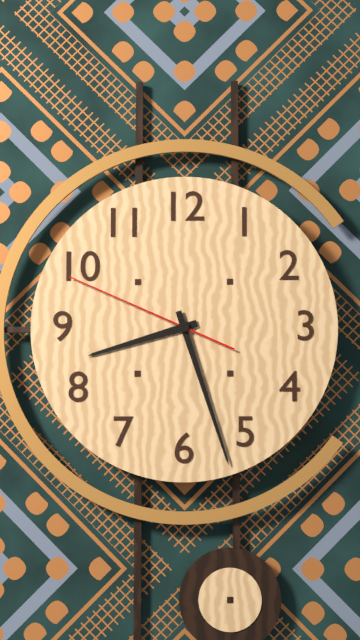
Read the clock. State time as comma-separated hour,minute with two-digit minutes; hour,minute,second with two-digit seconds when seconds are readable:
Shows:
8,27,49
